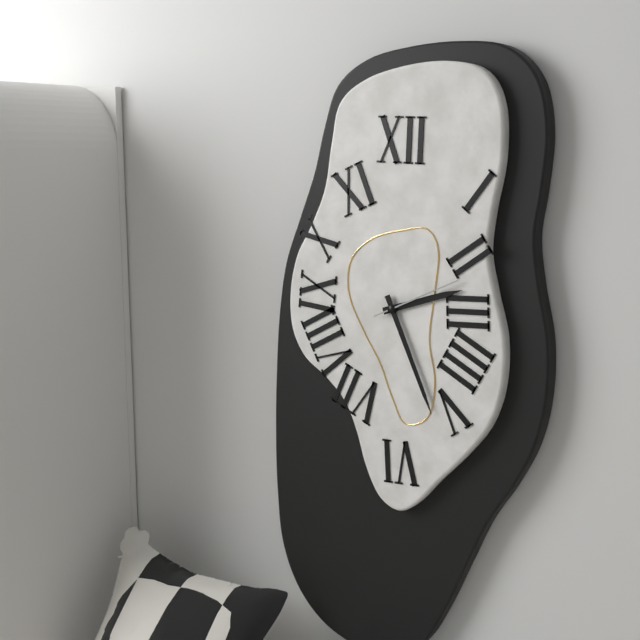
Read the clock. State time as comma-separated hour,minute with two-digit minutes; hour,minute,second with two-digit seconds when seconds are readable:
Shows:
2,26,11
